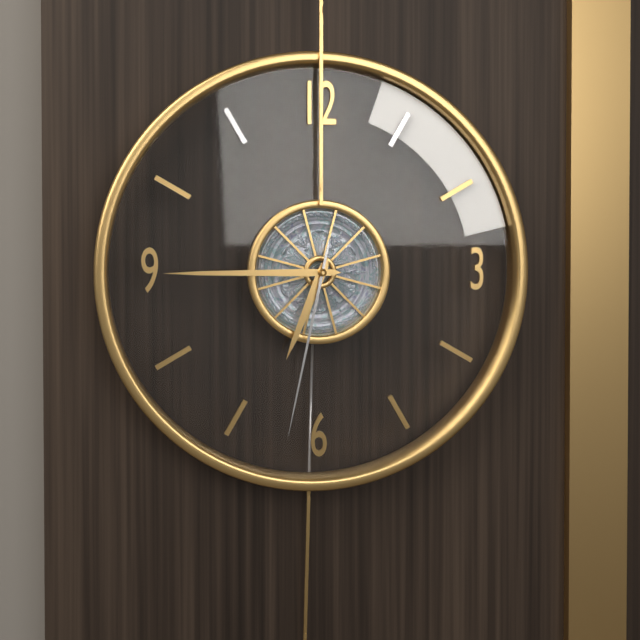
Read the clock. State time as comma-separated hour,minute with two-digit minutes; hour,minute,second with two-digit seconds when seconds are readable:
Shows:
6,45,32
